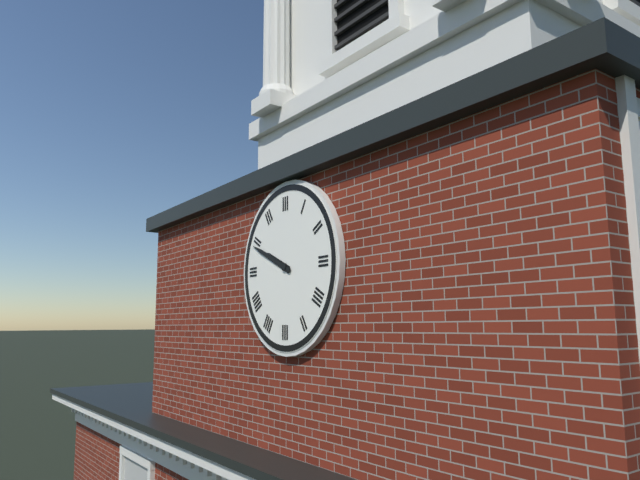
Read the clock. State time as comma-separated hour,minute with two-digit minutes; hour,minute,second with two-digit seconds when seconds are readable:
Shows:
9,49
